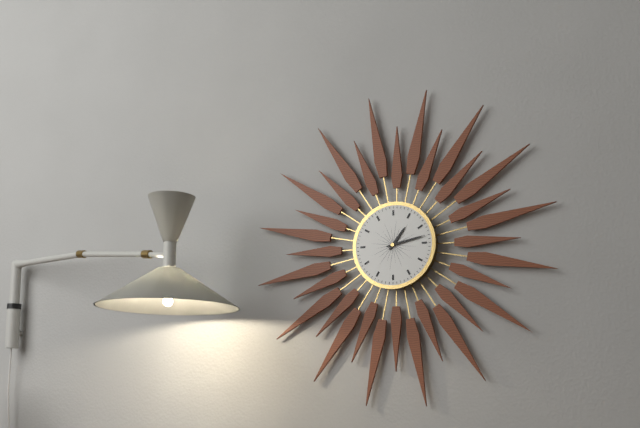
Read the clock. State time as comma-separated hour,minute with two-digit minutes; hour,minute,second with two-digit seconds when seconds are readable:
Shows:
1,13
